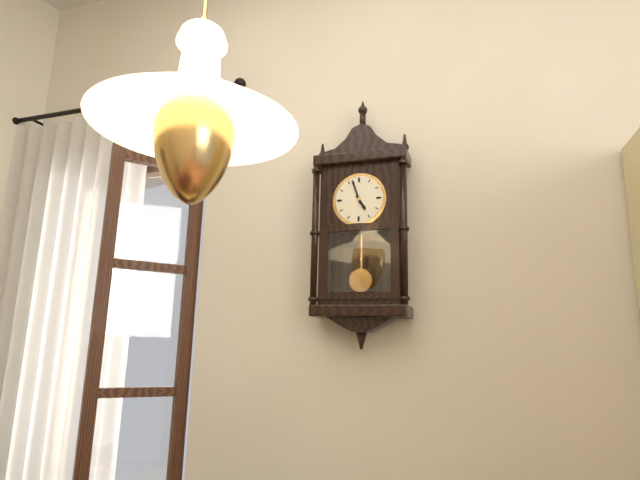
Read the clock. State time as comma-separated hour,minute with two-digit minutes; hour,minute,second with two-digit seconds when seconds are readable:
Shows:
4,57
